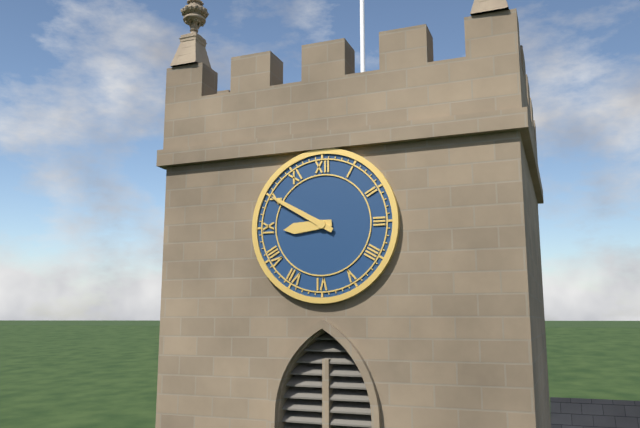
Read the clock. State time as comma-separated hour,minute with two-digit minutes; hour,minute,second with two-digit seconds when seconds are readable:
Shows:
8,50
